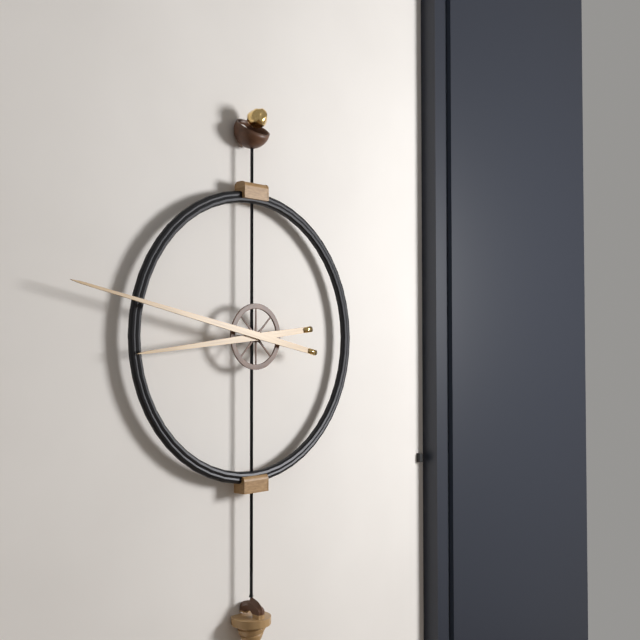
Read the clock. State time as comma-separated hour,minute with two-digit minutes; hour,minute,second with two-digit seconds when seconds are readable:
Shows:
8,47
